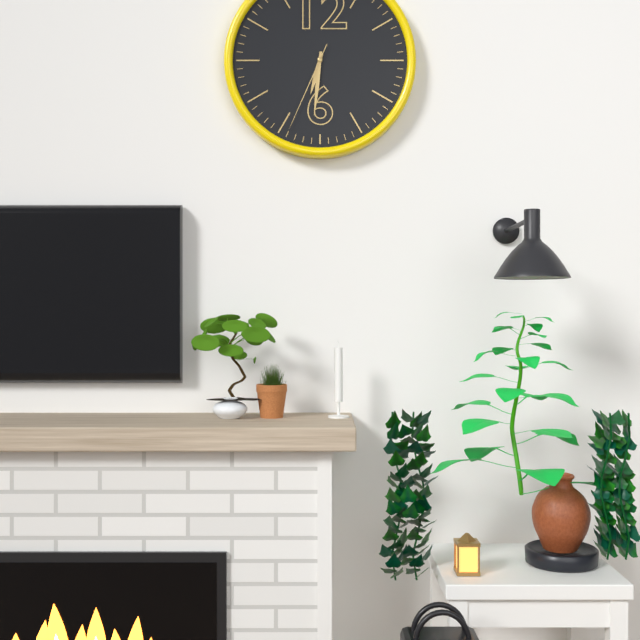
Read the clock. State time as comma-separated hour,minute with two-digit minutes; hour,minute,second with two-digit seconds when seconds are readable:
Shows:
6,31,34
